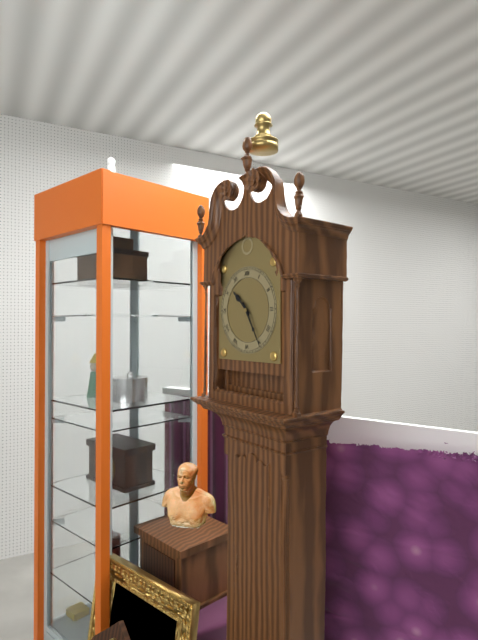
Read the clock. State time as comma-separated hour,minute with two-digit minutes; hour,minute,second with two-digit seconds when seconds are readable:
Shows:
10,25
